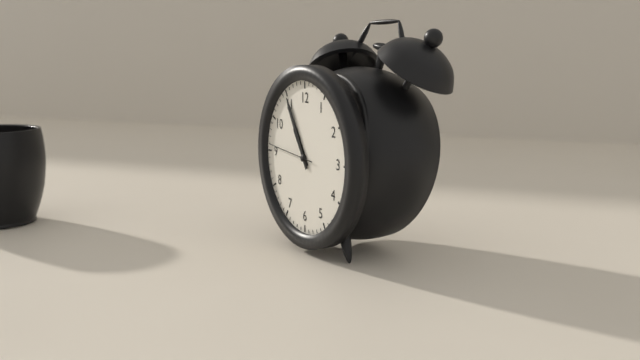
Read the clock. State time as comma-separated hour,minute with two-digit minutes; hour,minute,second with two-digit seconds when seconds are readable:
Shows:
10,55
